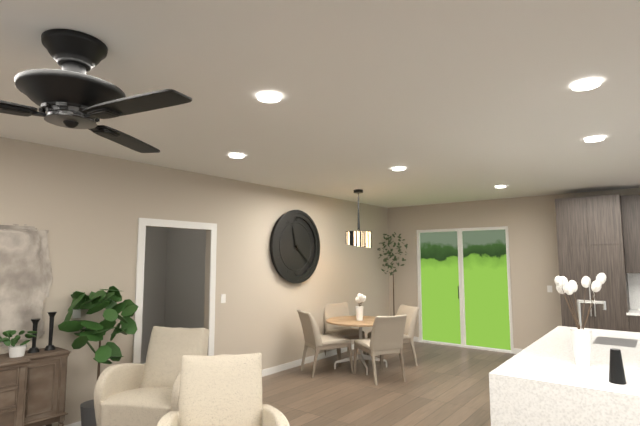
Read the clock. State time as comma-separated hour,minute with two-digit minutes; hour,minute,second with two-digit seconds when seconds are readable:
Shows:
11,22
